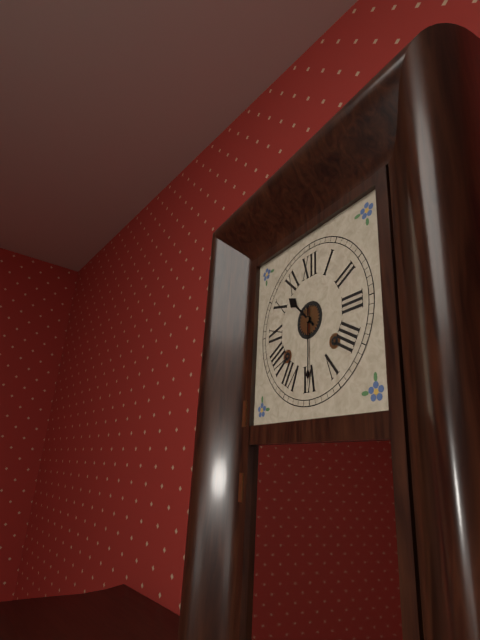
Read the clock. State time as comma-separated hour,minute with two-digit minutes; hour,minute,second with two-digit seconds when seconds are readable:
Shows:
10,30
